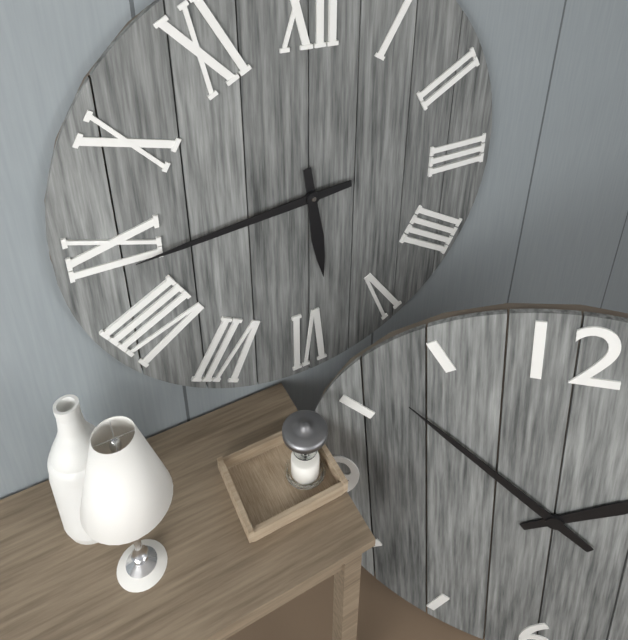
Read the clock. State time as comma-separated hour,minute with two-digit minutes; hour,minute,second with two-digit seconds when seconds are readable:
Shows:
5,44
